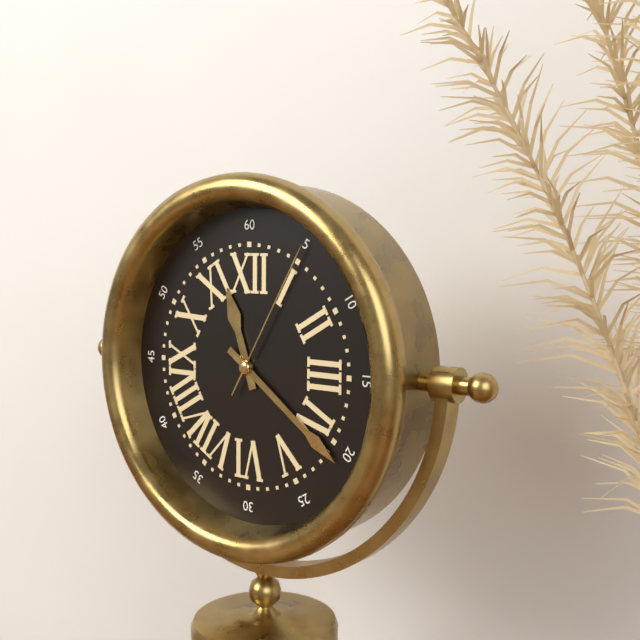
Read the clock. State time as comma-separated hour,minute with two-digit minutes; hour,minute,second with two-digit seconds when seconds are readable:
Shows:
11,21,05
